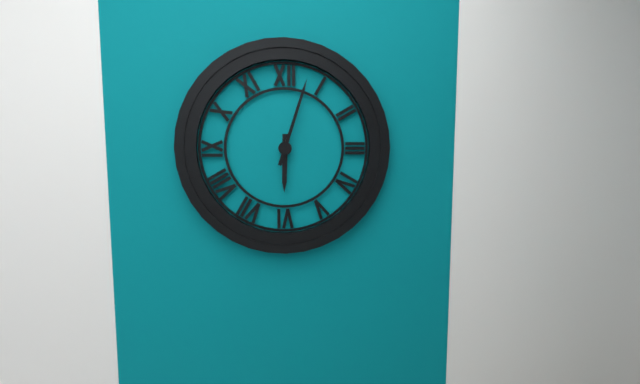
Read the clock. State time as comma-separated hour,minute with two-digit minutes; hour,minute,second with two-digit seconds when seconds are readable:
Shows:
6,03
